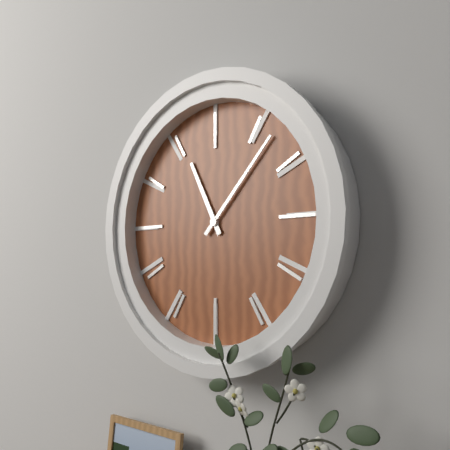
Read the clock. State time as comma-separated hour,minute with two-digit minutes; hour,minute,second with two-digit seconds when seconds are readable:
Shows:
11,07
